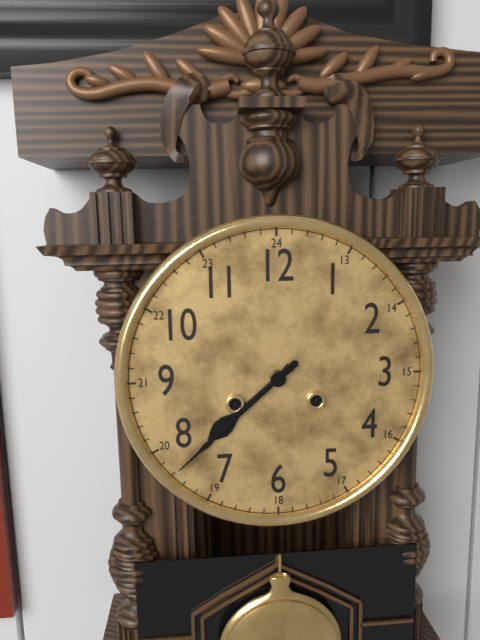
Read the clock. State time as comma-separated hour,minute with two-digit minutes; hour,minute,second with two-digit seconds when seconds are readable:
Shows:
7,38
